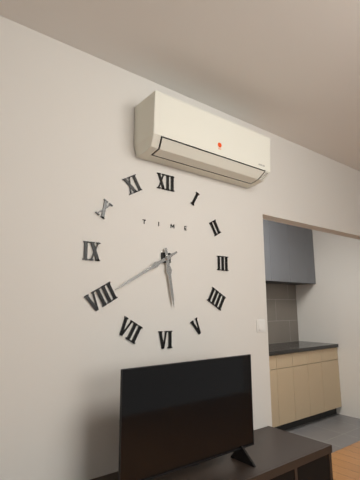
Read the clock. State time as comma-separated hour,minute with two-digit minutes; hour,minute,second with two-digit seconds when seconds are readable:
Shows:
5,40
